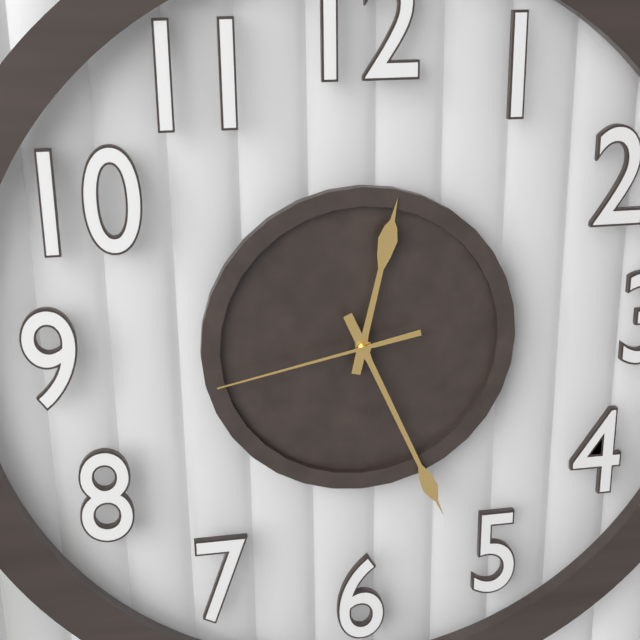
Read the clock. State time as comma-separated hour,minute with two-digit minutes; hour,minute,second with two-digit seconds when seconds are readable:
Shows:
12,26,43
